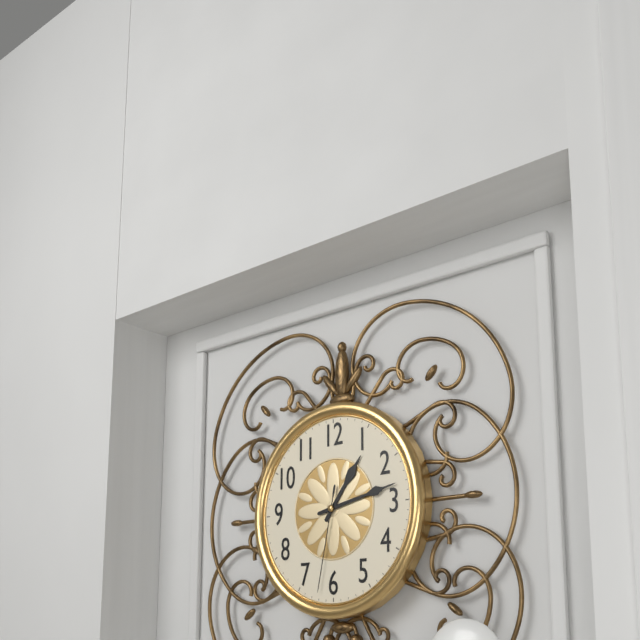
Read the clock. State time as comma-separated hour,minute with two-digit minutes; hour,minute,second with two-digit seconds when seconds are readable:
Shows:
1,13,32
